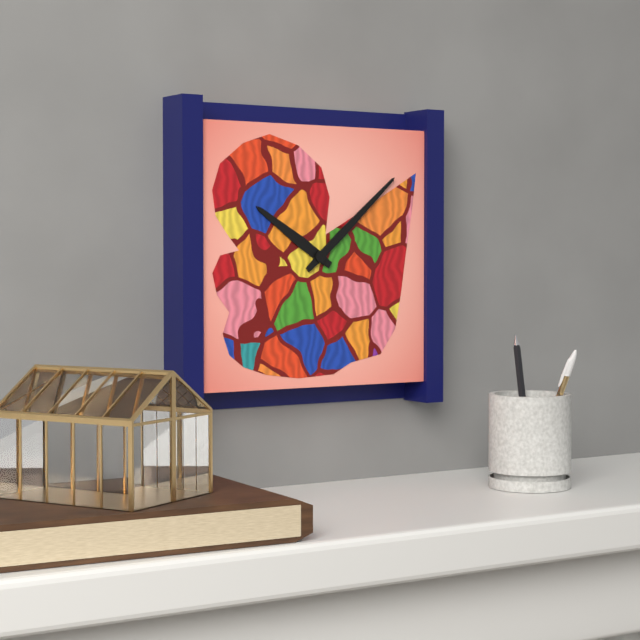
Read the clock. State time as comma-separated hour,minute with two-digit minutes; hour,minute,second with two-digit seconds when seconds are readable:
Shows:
10,08
